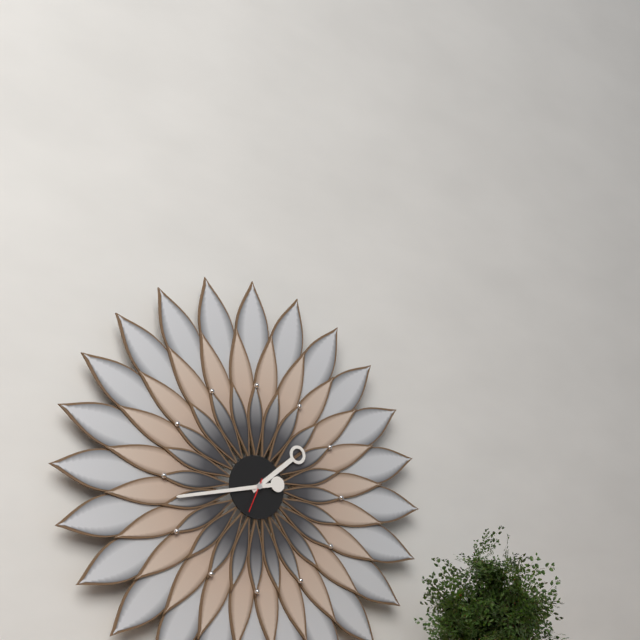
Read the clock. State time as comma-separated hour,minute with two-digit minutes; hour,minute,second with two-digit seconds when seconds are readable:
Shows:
1,43
